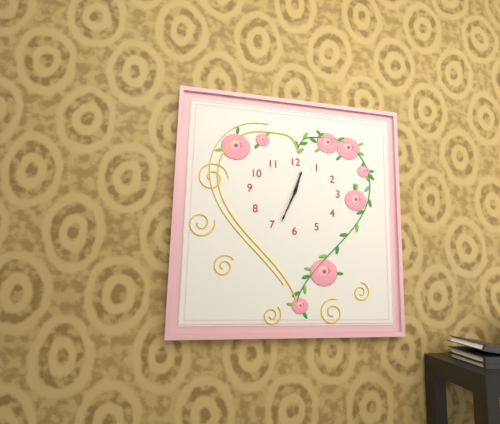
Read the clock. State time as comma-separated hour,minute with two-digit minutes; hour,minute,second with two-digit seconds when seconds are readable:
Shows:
12,34
